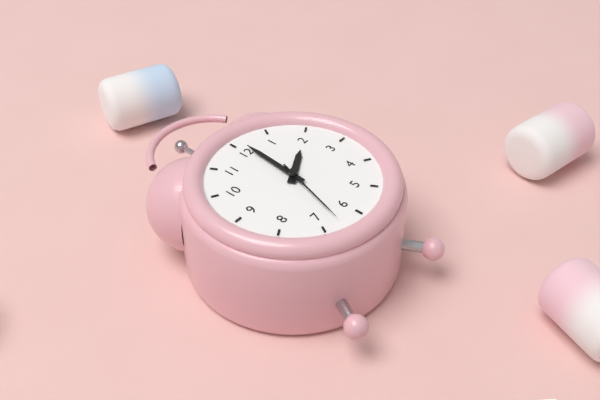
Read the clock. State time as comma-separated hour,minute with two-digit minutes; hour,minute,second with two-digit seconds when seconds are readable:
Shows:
2,01,33
